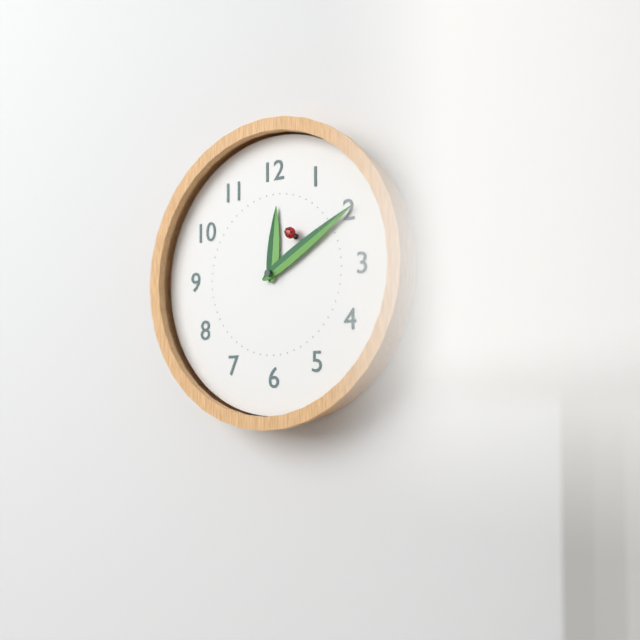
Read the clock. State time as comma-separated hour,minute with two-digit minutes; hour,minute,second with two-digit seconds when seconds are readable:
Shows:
12,10,06
